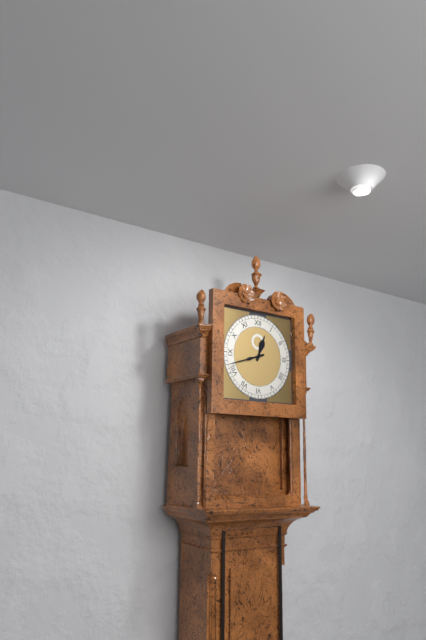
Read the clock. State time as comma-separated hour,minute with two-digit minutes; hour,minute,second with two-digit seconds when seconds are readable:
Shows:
12,42
